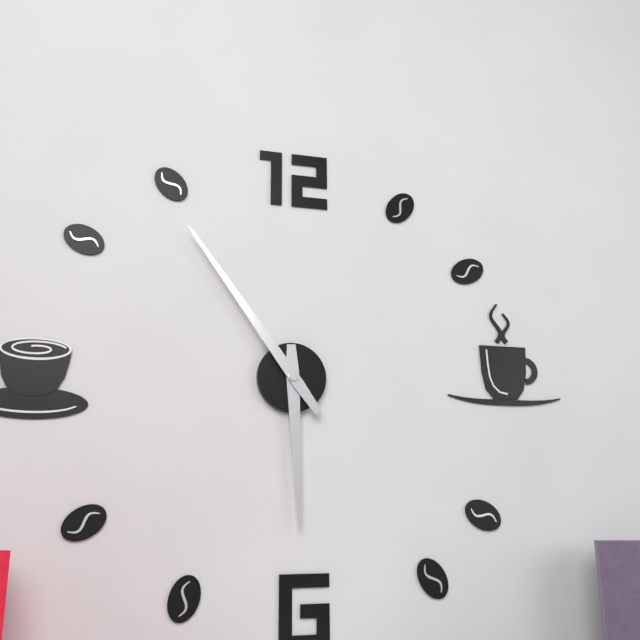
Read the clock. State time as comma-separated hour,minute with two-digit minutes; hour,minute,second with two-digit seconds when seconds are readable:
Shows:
5,54
